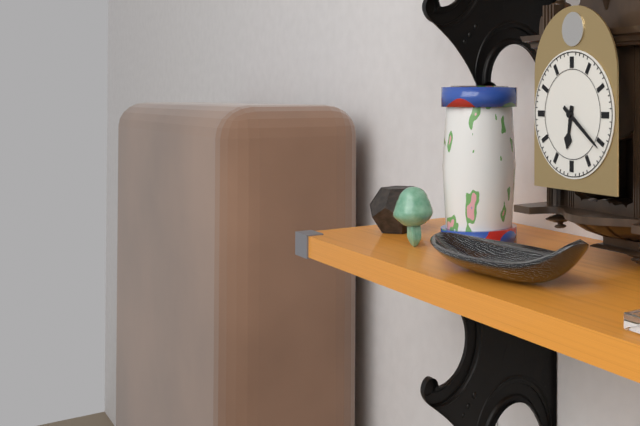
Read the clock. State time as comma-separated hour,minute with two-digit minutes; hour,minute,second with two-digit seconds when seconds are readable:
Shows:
6,21
